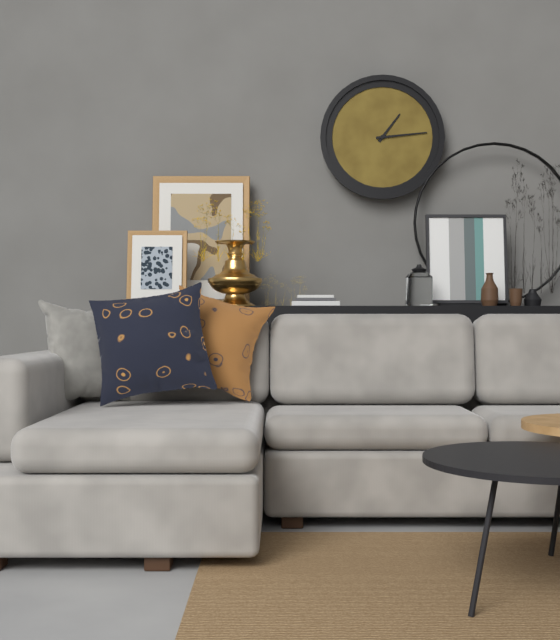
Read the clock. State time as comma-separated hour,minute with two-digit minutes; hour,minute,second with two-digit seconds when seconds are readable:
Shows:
1,14
